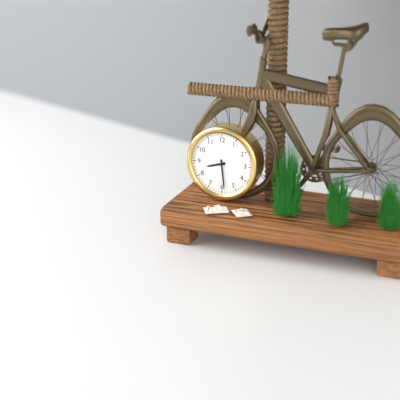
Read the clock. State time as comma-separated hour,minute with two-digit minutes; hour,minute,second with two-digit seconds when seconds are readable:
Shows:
8,29
